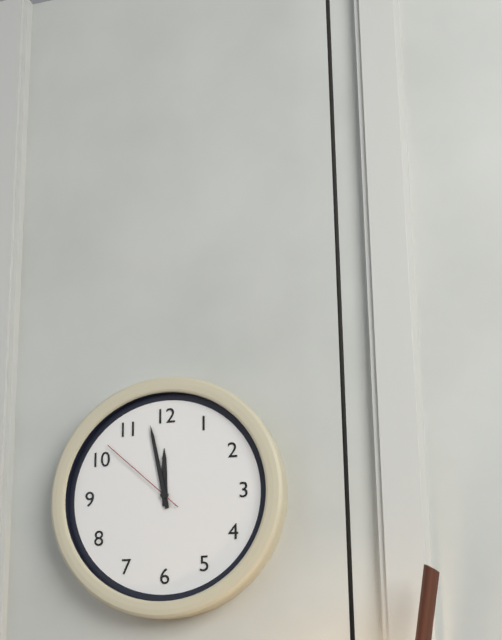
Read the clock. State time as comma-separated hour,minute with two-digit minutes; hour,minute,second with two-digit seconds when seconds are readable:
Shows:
11,58,52
